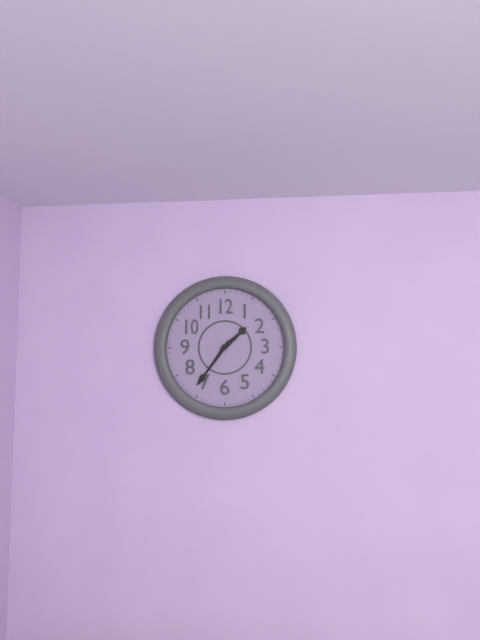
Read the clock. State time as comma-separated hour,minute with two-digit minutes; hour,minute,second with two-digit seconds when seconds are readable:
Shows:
1,36
